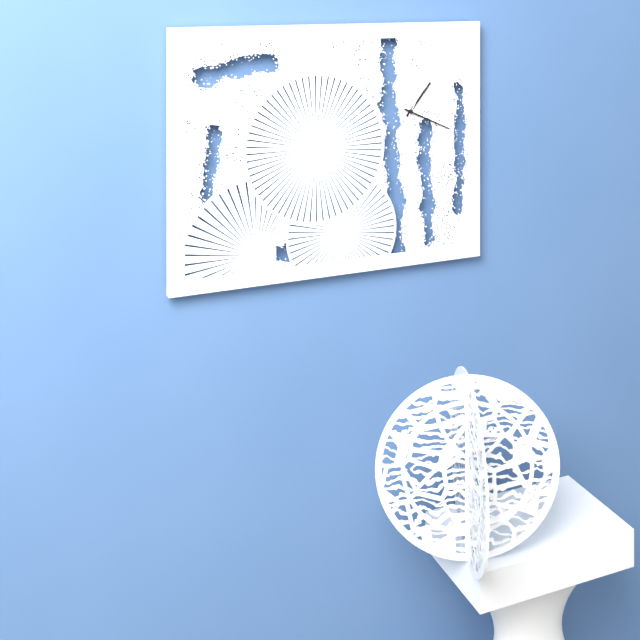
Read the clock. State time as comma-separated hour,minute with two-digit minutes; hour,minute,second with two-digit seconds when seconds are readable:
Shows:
1,19
